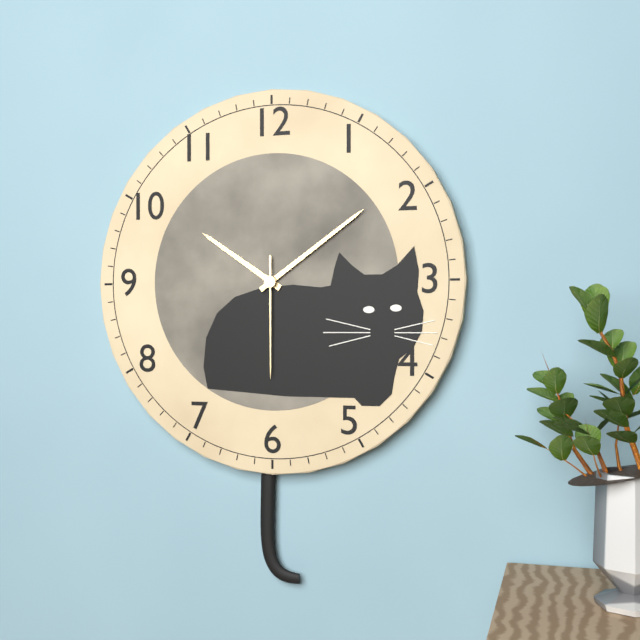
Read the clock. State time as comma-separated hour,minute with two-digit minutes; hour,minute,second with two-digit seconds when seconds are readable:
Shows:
10,09,30
